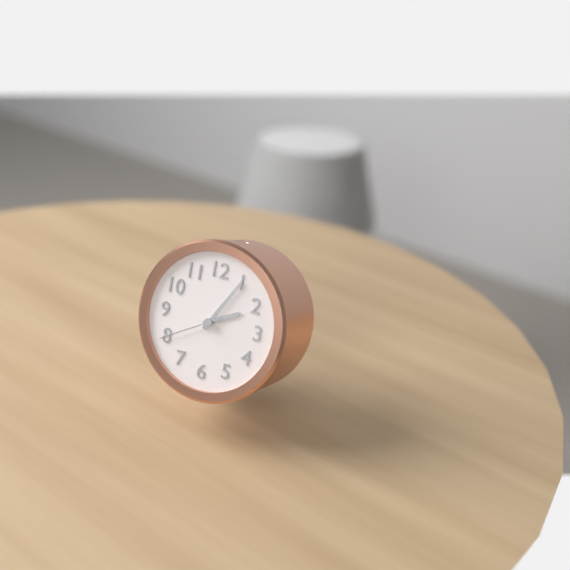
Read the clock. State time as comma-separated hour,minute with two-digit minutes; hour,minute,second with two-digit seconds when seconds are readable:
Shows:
2,05,40
